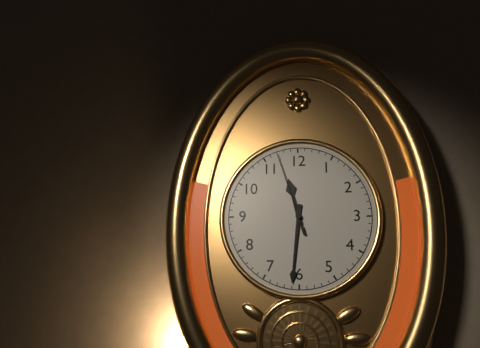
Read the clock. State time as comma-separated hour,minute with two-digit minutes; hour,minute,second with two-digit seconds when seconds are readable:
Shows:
11,31,57
